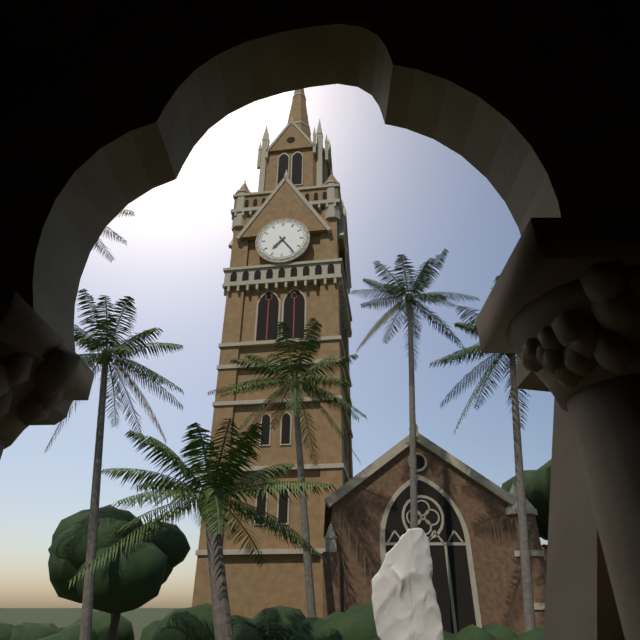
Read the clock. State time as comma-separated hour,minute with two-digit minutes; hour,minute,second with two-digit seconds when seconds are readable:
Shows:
7,24
